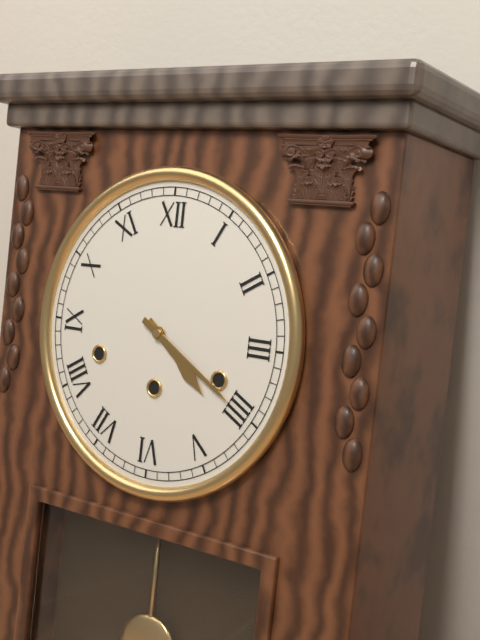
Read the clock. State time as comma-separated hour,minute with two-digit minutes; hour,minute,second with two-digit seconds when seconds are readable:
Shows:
4,20
